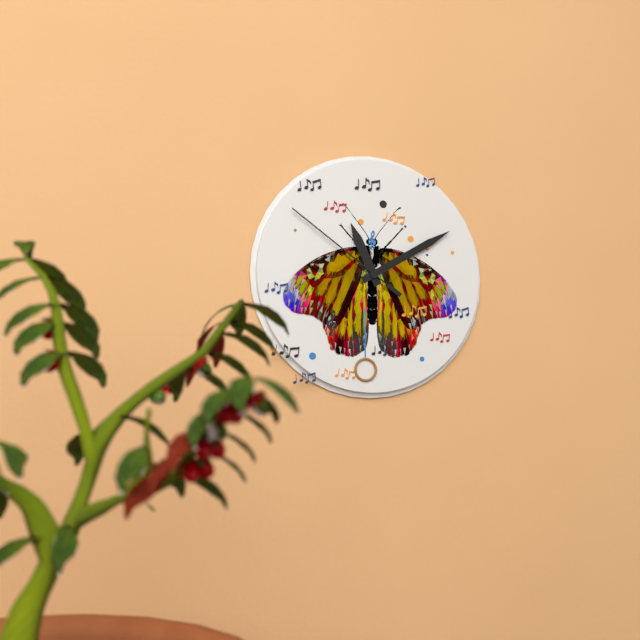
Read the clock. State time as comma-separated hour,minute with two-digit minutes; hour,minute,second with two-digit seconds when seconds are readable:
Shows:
11,10,51
